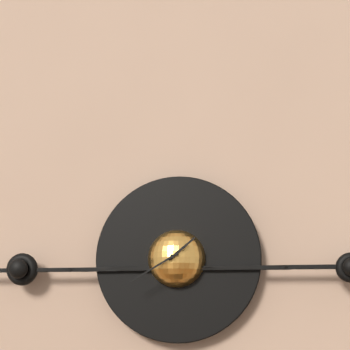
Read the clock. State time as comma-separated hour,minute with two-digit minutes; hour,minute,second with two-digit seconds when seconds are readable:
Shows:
1,40
